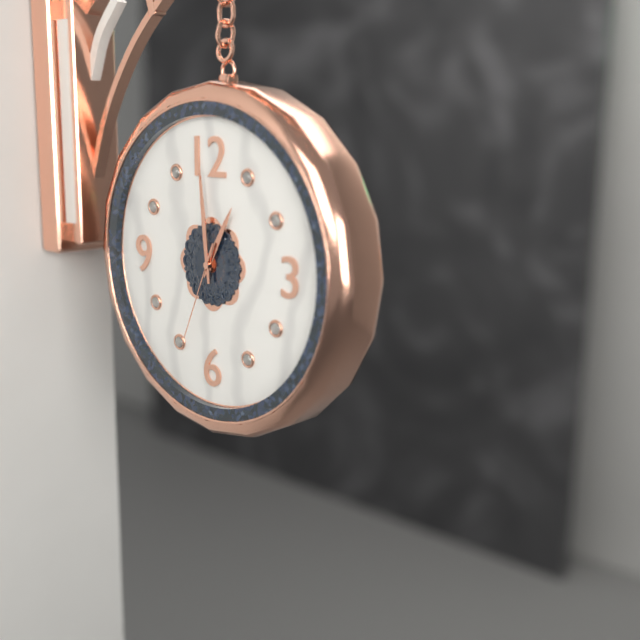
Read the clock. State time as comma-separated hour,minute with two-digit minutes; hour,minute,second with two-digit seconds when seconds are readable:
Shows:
12,59,34
